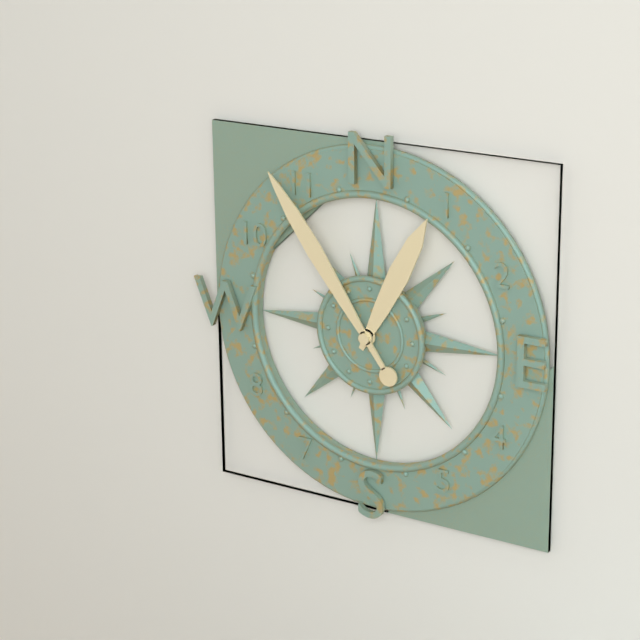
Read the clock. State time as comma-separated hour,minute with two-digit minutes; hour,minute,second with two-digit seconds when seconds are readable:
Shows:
12,54
